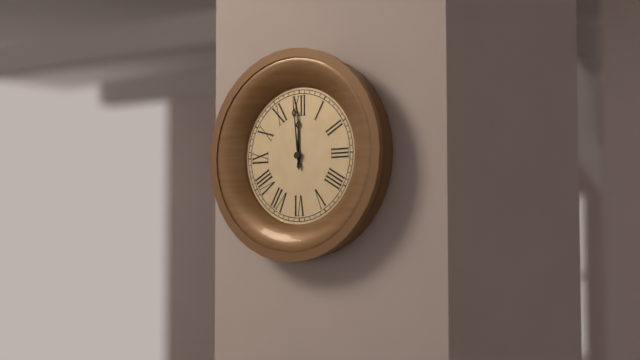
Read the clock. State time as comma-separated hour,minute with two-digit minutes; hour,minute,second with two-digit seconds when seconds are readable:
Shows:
11,59
